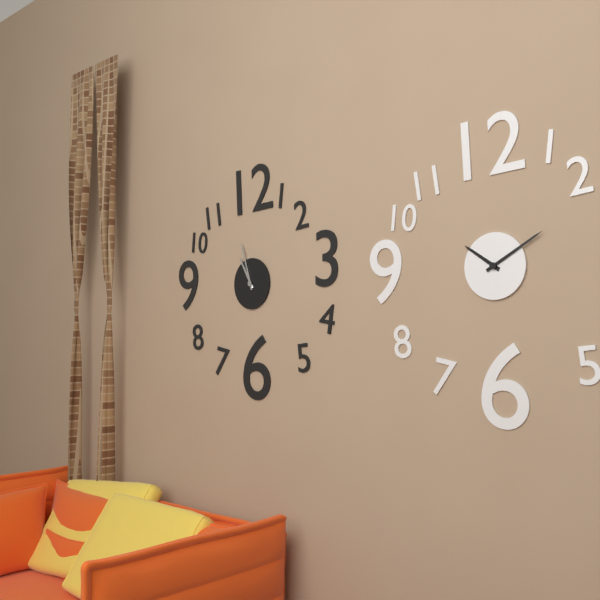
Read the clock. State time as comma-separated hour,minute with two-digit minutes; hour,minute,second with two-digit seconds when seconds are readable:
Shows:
10,57
